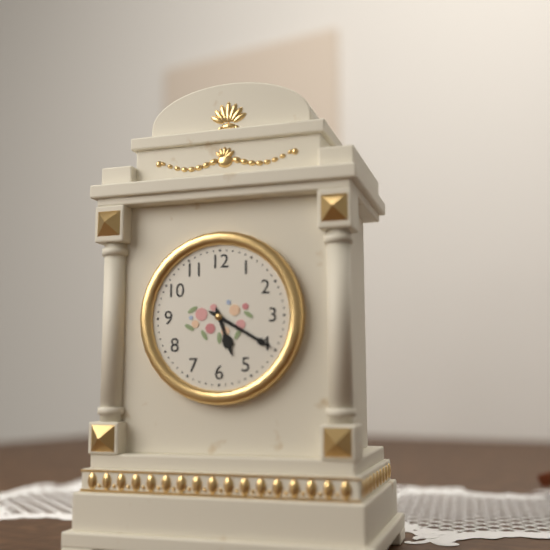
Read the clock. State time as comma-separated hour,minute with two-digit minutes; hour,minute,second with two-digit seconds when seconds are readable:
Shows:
5,20
